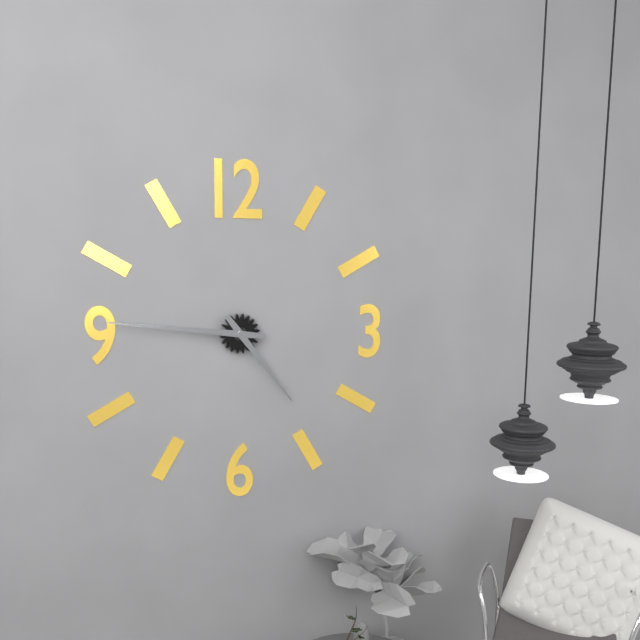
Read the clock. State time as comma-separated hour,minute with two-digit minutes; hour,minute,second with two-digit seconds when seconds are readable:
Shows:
4,46
